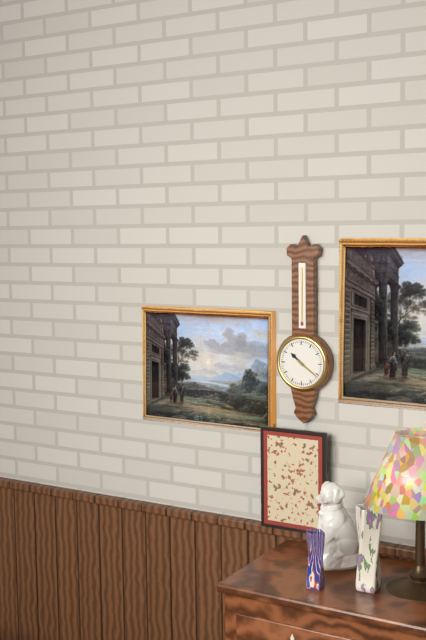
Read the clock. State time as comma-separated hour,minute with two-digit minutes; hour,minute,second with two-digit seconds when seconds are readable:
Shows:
10,21
